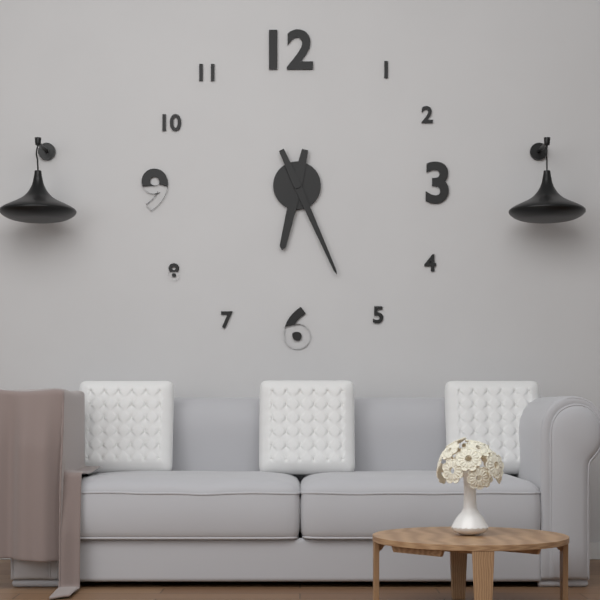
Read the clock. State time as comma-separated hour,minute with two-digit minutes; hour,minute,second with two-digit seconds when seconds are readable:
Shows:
6,26
